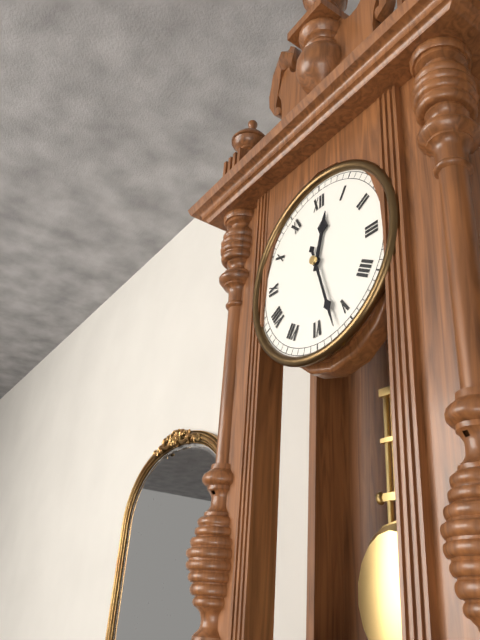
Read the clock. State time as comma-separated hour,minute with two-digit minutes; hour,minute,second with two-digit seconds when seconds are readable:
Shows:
12,27
